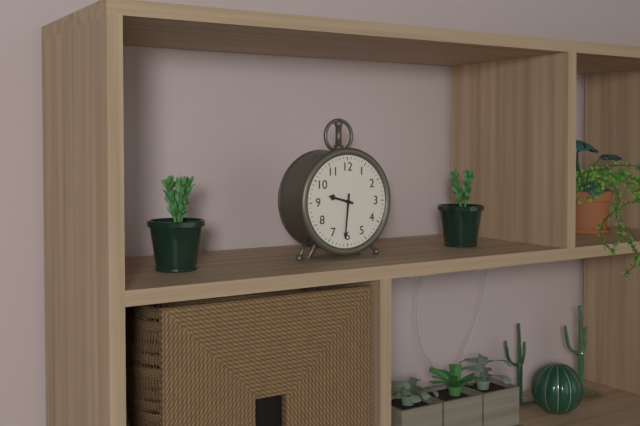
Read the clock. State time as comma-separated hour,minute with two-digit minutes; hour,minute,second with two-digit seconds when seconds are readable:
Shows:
9,31
